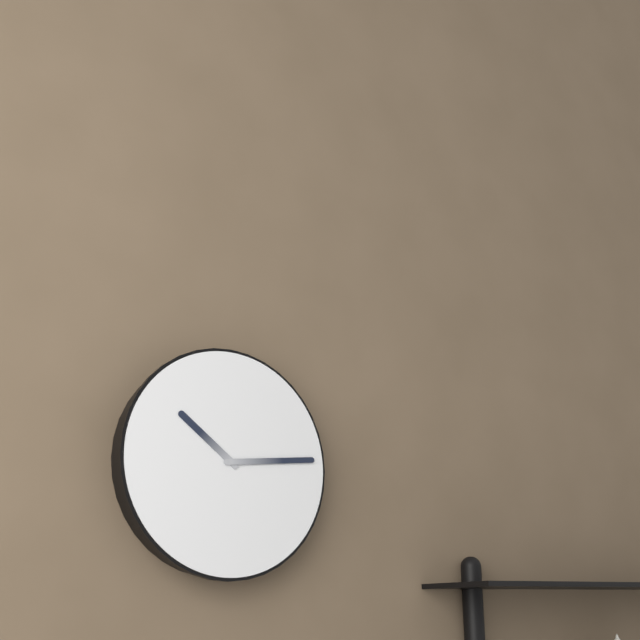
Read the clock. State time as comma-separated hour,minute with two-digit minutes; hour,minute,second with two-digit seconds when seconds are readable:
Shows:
10,14
